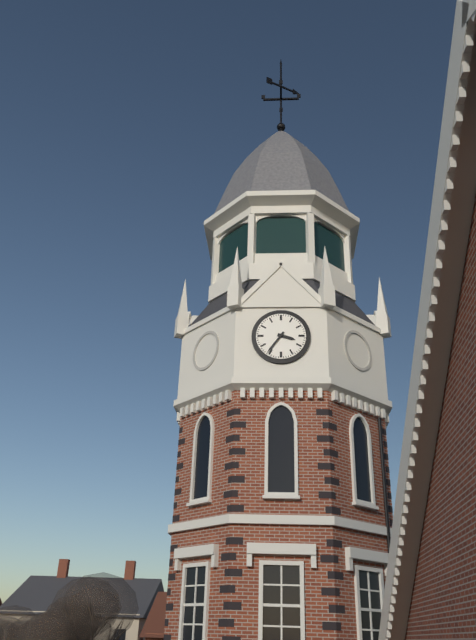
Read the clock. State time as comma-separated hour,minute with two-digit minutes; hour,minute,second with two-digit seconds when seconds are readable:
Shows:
3,36
